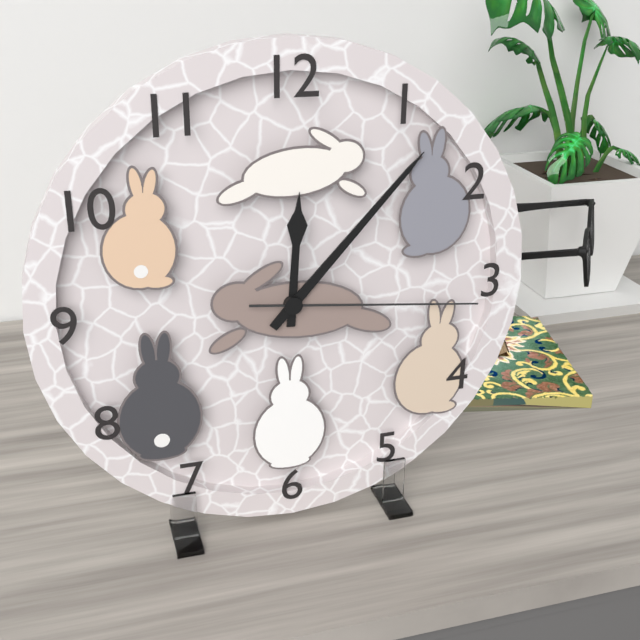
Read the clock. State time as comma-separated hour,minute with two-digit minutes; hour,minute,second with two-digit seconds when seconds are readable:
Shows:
12,07,16
